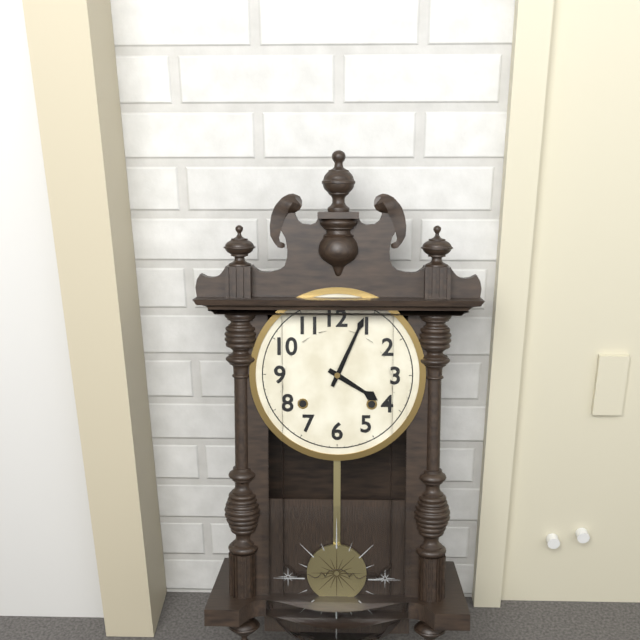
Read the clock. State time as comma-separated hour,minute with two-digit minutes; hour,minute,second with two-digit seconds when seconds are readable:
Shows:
4,04
